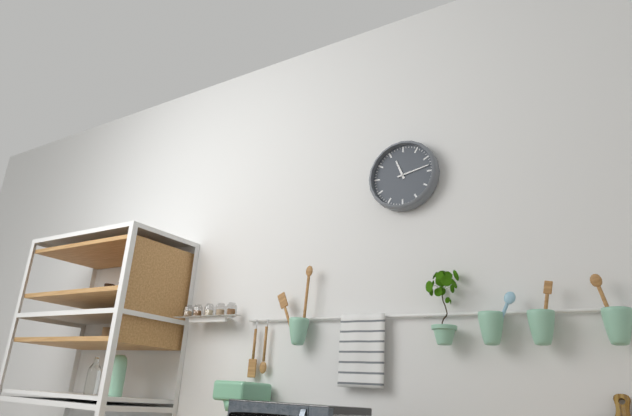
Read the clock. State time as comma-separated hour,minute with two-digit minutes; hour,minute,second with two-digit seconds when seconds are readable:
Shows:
11,13
